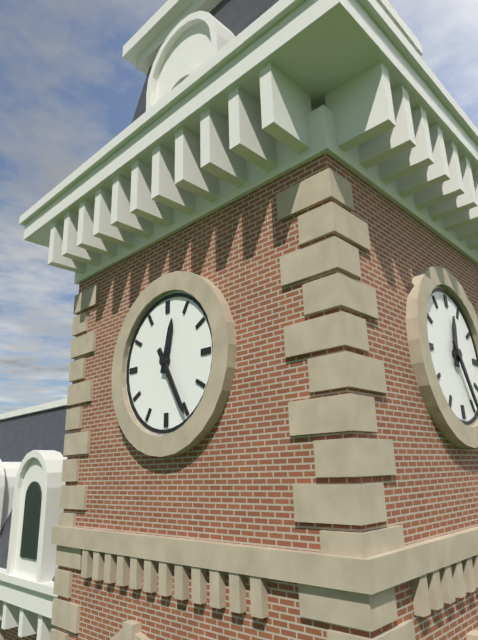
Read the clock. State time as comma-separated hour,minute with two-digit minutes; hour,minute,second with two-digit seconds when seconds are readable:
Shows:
12,25
